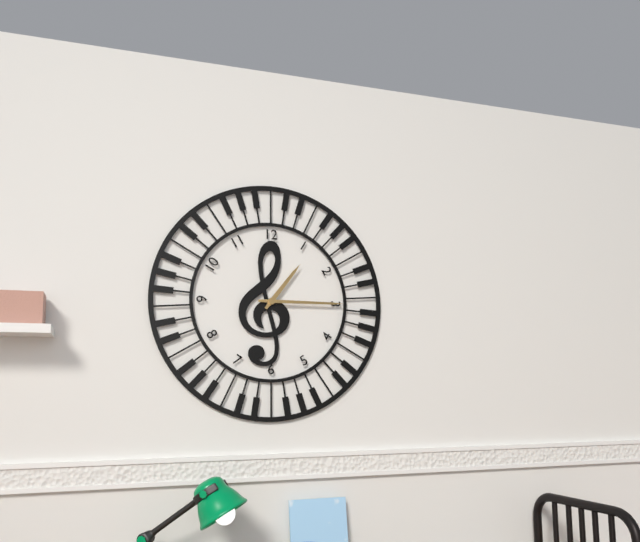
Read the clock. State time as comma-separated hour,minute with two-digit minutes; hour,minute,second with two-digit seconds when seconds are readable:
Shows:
1,15
